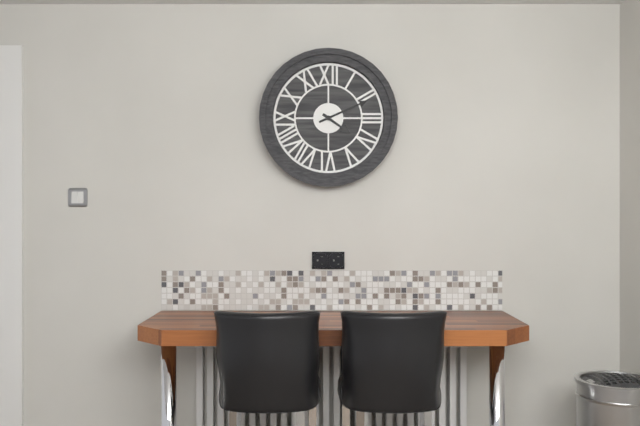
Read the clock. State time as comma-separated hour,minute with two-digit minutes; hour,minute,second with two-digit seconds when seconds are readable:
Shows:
4,11
